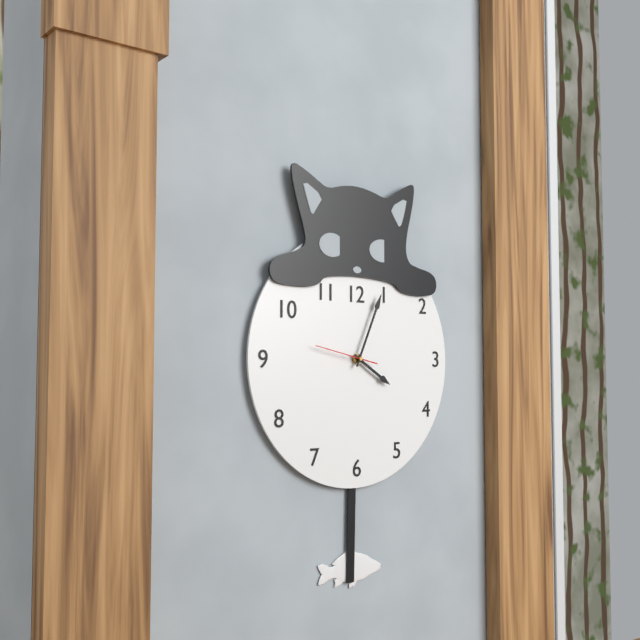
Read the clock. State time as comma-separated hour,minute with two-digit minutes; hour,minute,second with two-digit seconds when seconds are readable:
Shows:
4,04
